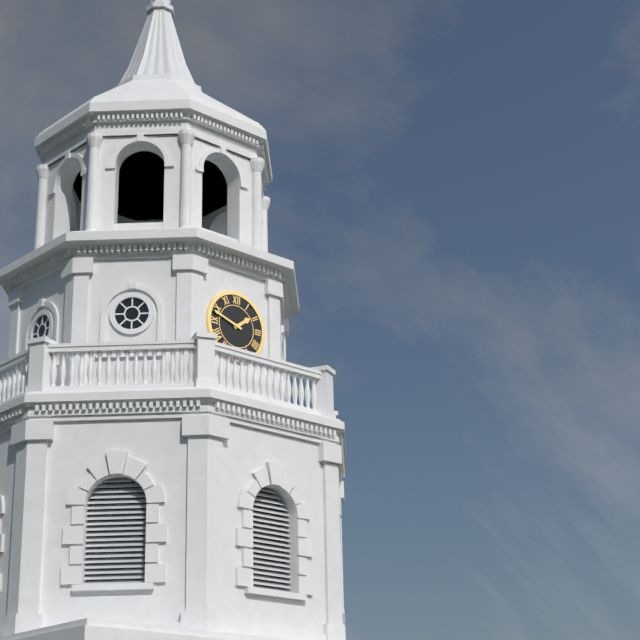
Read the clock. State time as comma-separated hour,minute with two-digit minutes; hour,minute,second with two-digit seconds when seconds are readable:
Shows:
1,48
